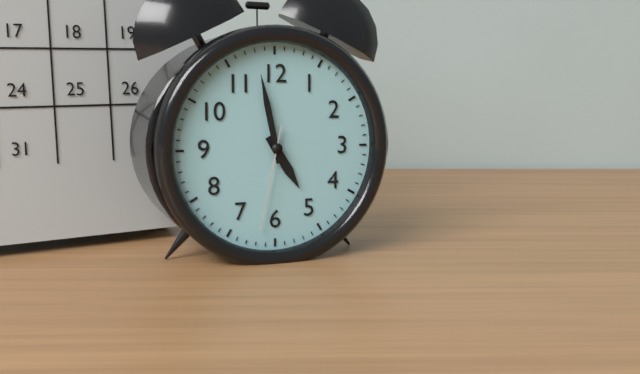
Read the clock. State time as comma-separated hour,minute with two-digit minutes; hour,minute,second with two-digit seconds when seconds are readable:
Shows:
4,58,32
